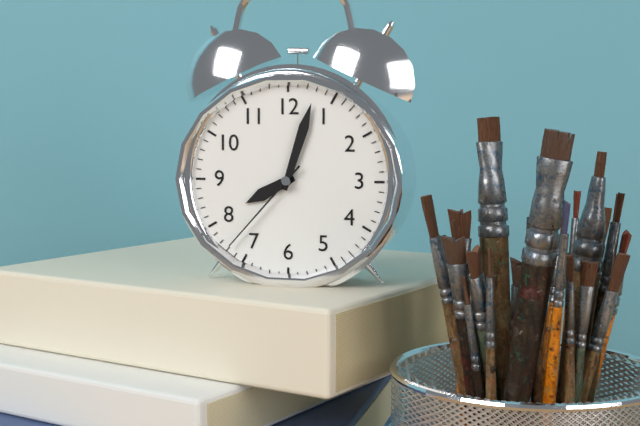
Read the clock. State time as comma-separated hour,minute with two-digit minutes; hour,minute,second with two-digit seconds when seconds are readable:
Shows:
8,03,37
